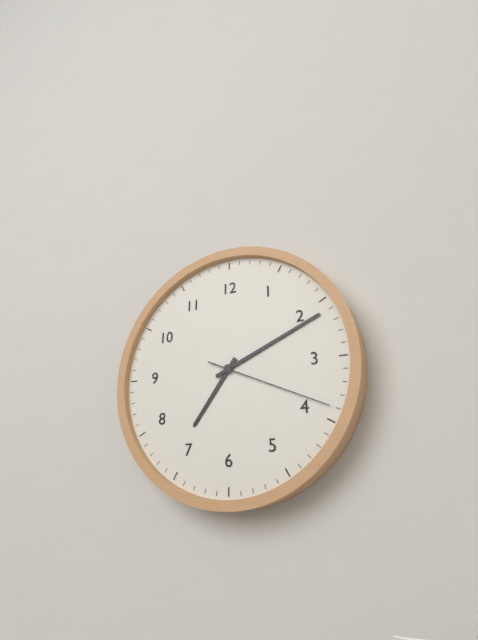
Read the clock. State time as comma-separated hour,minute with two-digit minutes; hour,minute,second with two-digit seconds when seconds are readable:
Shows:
7,11,19
